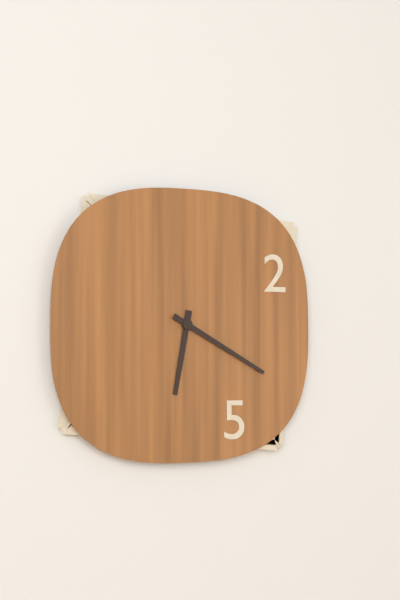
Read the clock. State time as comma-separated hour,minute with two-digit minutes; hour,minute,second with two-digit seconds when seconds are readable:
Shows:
6,20
